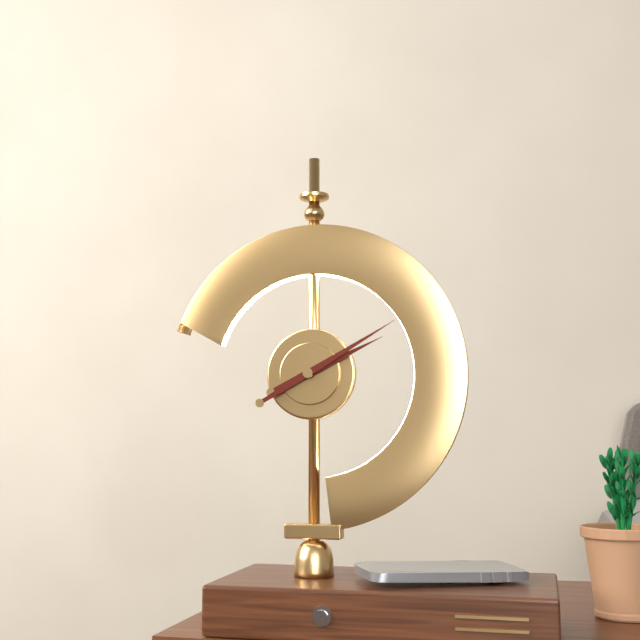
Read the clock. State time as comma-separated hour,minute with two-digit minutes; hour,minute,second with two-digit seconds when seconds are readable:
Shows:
2,10
